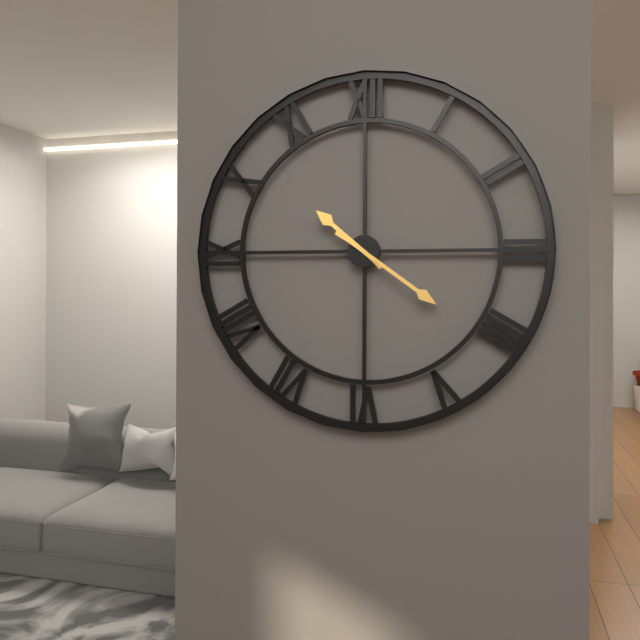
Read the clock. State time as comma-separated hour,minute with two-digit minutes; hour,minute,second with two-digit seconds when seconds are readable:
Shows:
10,21
